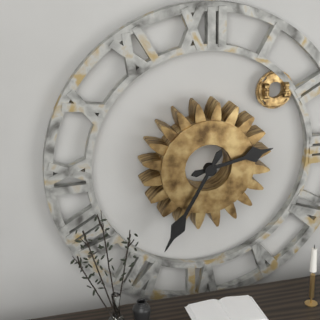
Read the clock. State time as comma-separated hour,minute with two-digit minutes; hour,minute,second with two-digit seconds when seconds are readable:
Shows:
2,35
